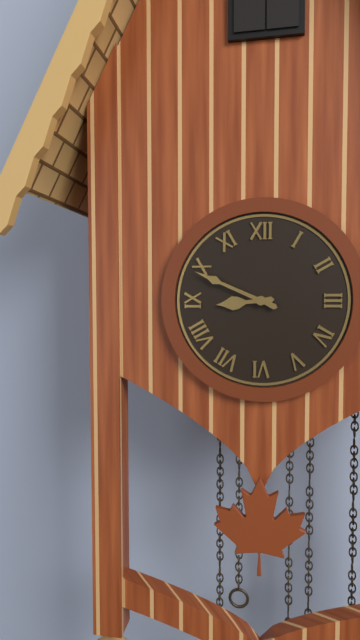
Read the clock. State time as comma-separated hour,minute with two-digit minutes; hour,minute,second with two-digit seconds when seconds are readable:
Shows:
8,49
